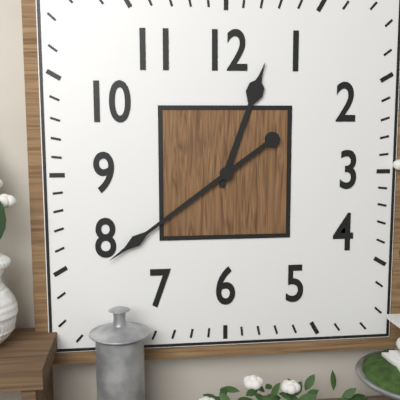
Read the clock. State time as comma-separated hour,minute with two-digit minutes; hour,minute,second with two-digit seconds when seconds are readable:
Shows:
12,39
